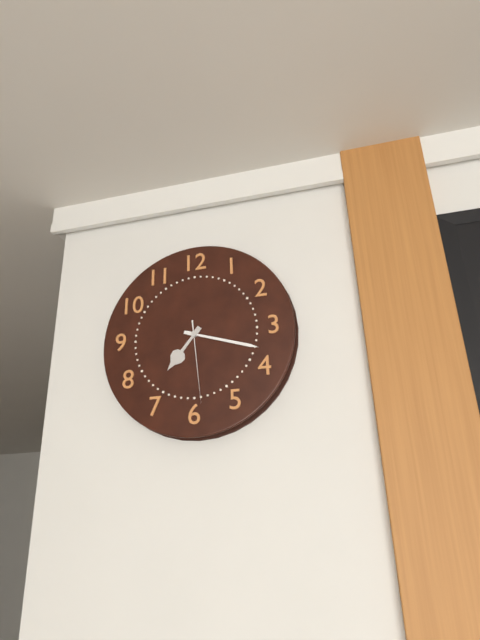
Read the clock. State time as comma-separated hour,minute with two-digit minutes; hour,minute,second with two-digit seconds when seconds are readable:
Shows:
7,18,29
